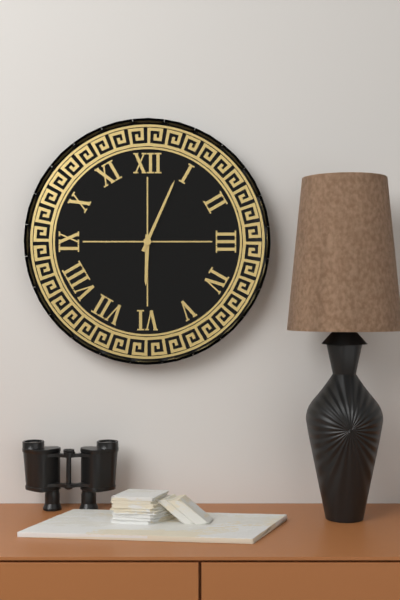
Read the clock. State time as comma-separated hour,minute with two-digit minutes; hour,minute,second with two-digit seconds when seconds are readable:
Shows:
6,04
